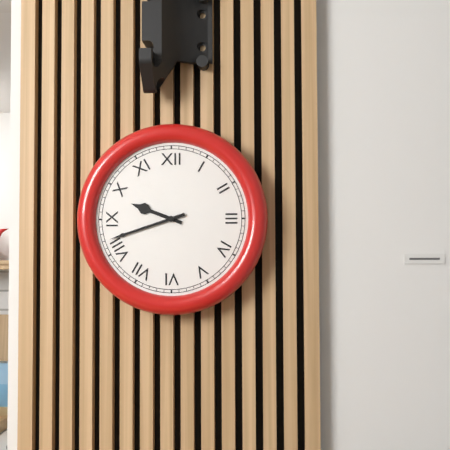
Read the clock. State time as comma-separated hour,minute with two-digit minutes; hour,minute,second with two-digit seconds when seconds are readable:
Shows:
9,42
